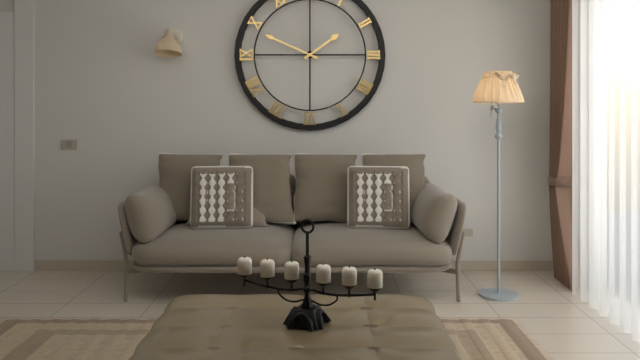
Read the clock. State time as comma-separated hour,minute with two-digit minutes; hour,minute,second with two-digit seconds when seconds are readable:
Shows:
1,49
